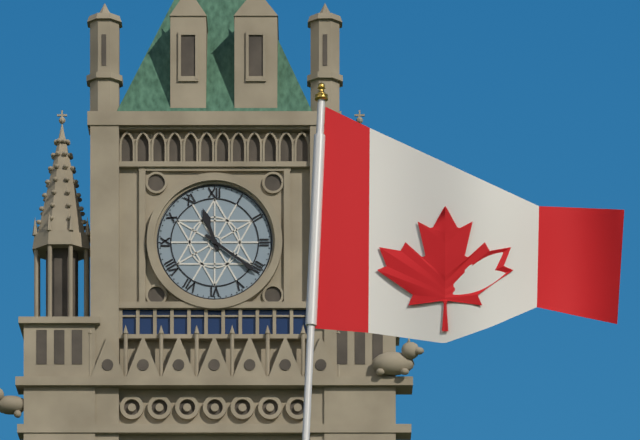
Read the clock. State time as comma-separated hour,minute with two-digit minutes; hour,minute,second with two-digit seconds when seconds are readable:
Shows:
11,21
